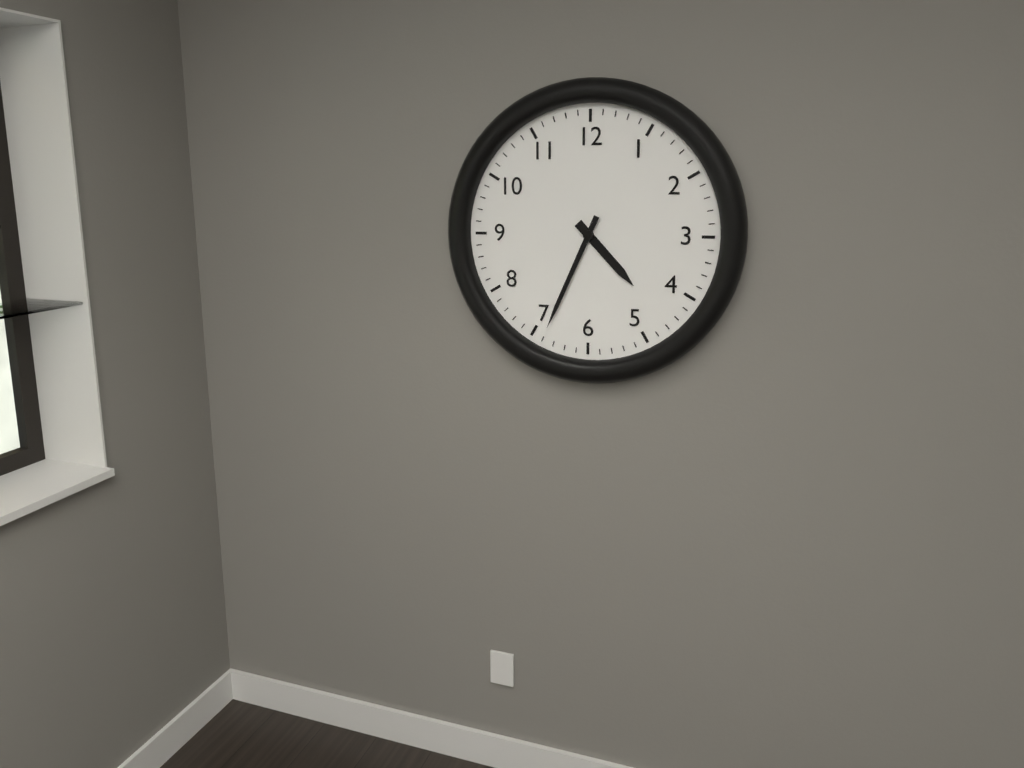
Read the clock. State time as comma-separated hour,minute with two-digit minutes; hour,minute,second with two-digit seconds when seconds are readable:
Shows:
4,34
